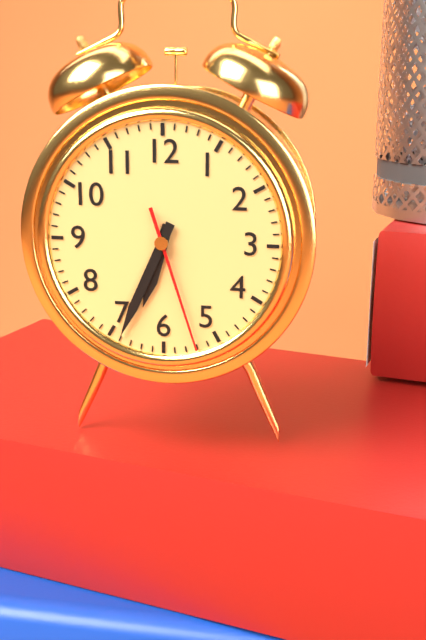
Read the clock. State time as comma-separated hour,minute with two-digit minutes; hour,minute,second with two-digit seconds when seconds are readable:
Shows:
6,34,27
